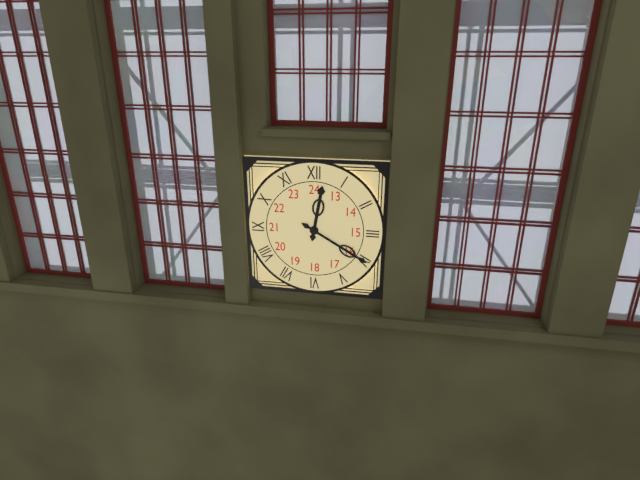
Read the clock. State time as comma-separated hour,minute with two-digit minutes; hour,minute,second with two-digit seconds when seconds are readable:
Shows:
12,20
